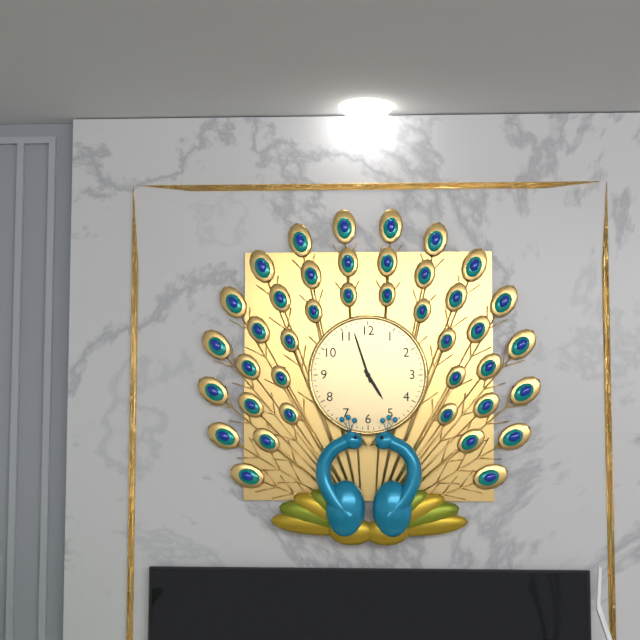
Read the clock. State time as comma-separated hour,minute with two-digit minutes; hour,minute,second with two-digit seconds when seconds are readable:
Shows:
4,57
